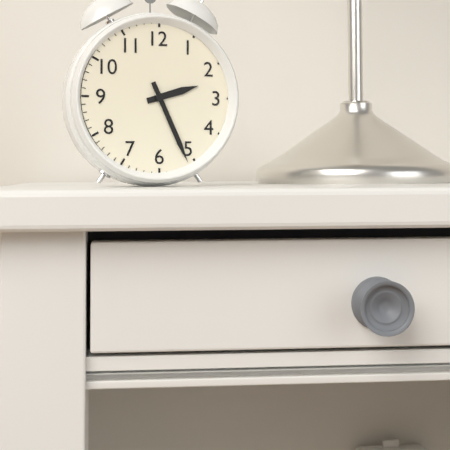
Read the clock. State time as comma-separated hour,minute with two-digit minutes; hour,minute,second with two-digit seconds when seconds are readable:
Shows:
2,26
